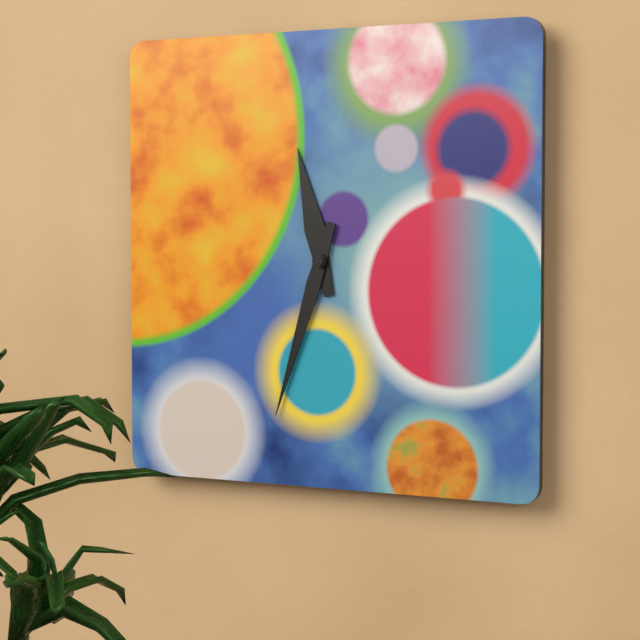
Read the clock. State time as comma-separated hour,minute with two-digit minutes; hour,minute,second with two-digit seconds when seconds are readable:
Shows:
11,33
